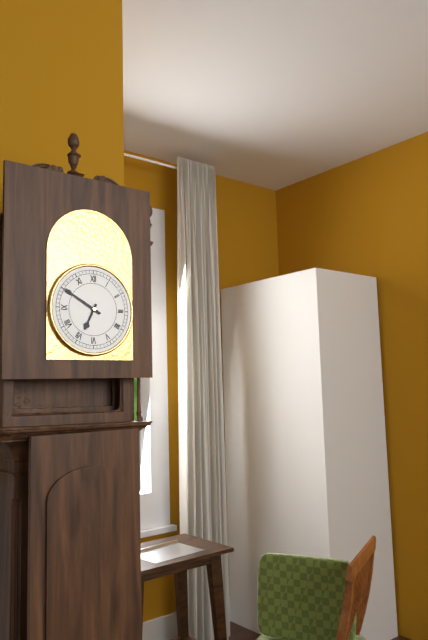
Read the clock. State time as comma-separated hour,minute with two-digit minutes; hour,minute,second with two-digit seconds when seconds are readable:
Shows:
6,50
